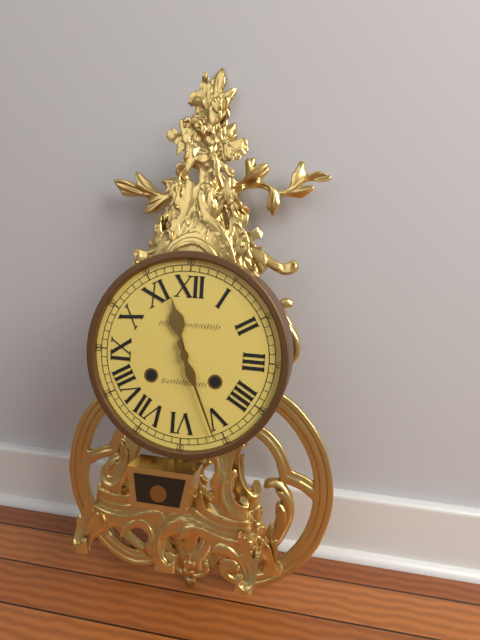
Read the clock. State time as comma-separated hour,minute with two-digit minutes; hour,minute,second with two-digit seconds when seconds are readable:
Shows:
11,26
